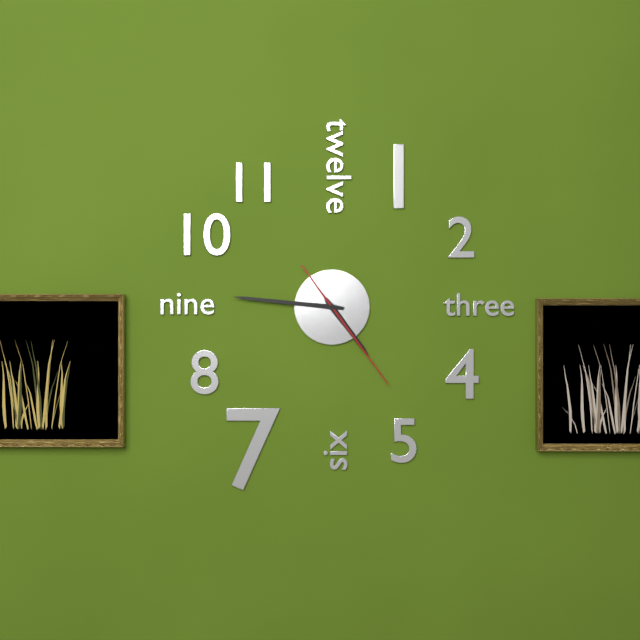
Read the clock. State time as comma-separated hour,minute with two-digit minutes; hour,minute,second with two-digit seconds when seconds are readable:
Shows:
4,46,24
